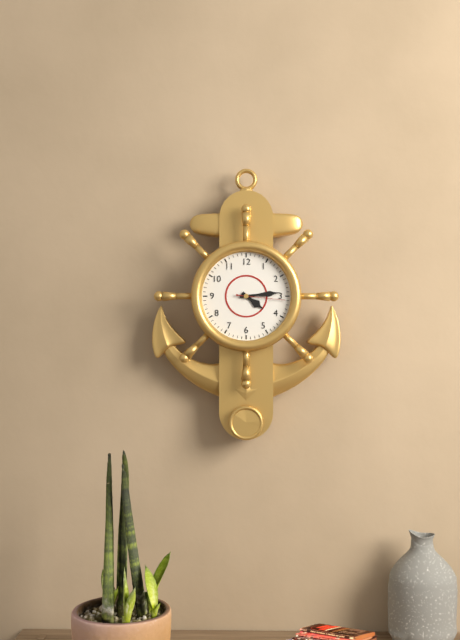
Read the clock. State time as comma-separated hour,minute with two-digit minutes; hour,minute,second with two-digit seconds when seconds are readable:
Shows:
4,14
